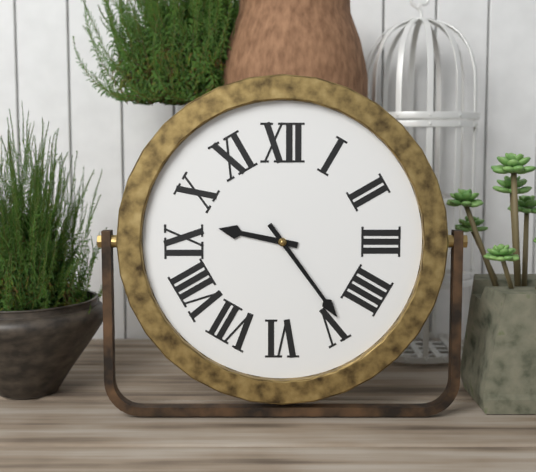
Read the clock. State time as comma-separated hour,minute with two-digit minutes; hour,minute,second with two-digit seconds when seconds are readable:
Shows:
9,24
